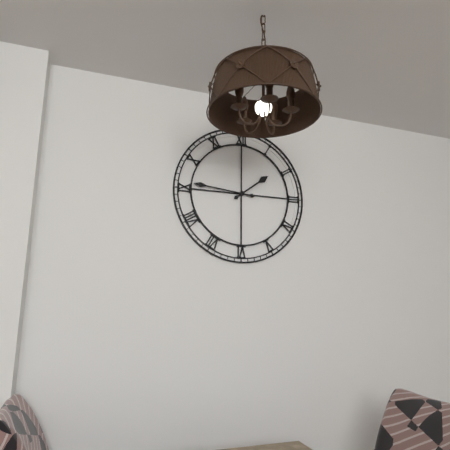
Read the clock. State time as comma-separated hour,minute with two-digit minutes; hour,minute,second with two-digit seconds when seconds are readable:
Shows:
1,46
